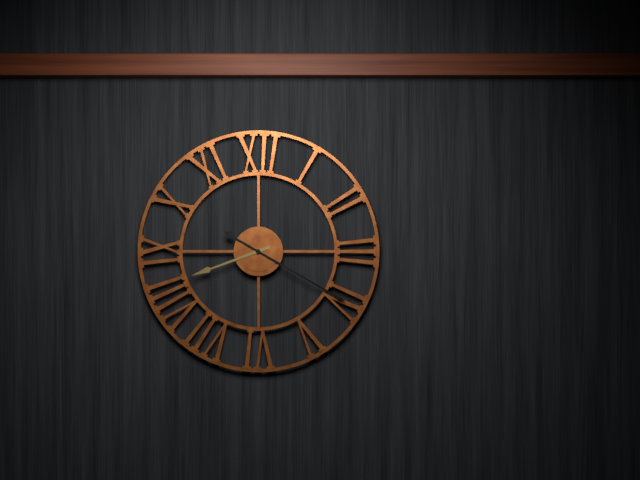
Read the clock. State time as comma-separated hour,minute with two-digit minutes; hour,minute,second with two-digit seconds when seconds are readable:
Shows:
8,20
